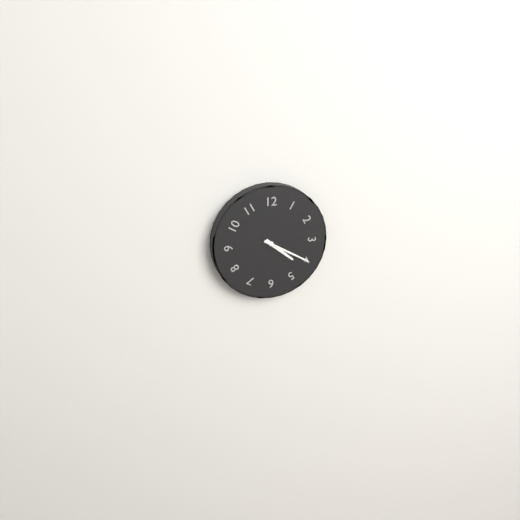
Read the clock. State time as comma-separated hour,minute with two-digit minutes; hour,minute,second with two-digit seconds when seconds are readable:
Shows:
4,20
